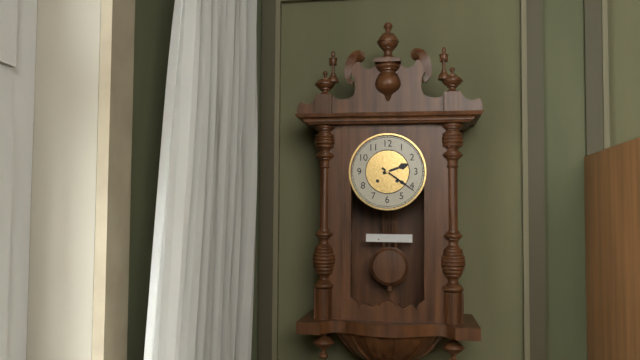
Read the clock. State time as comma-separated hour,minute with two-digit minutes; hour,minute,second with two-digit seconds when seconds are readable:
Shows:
2,21
